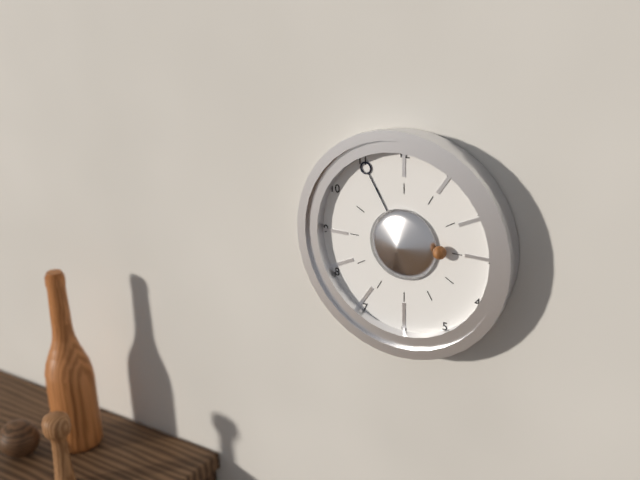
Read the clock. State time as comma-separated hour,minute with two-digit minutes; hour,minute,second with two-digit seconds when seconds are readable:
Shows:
2,55
